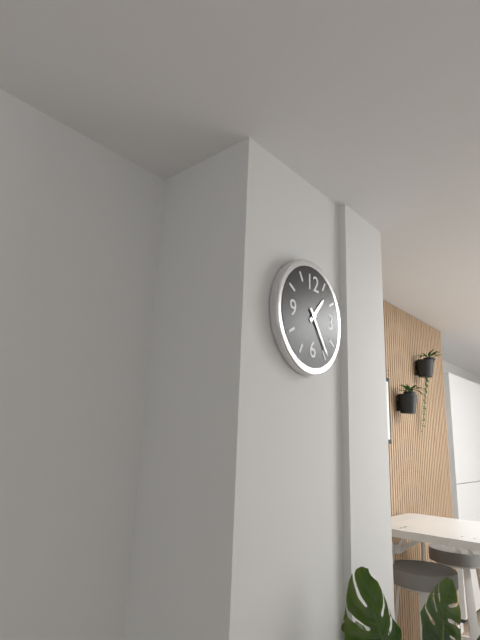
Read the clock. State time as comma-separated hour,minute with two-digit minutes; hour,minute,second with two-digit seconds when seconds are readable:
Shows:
1,24
